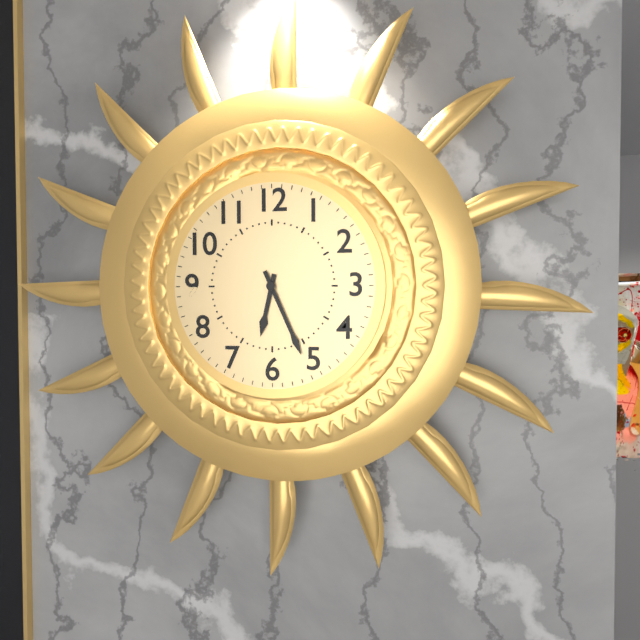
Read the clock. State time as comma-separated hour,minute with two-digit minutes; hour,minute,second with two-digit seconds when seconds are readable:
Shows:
6,26
